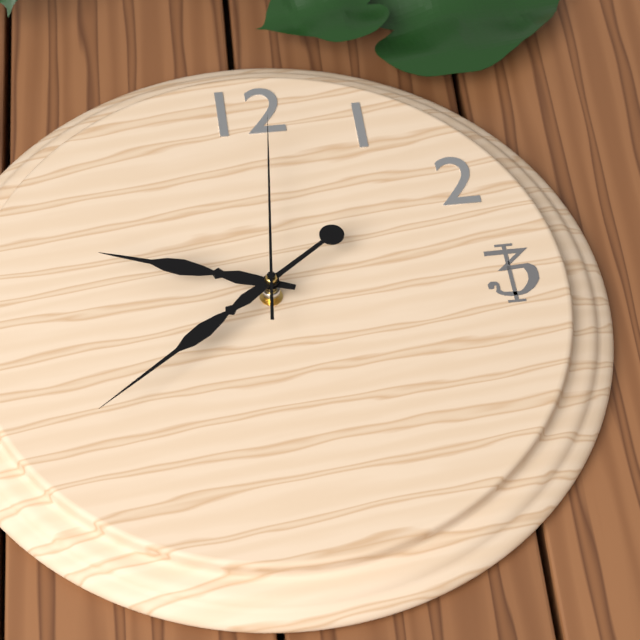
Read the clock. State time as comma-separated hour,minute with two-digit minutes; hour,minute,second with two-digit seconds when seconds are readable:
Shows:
9,39,01
